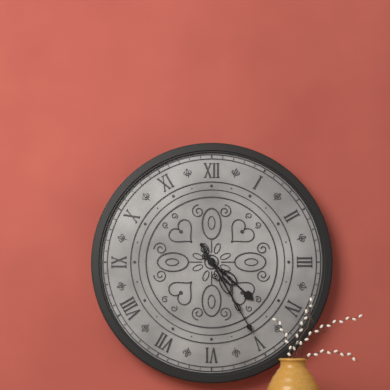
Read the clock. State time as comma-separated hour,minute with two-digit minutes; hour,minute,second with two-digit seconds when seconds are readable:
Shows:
4,25
